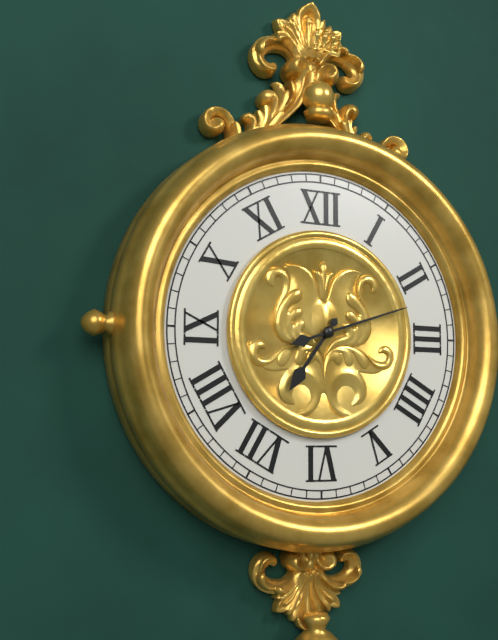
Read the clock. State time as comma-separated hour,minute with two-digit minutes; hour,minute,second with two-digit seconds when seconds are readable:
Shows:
7,12
